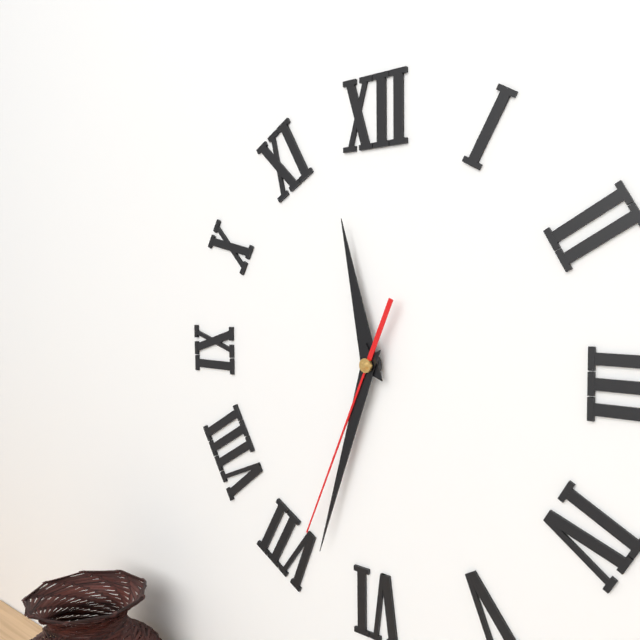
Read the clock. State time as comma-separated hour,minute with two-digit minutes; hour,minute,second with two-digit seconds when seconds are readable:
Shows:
11,33,34
